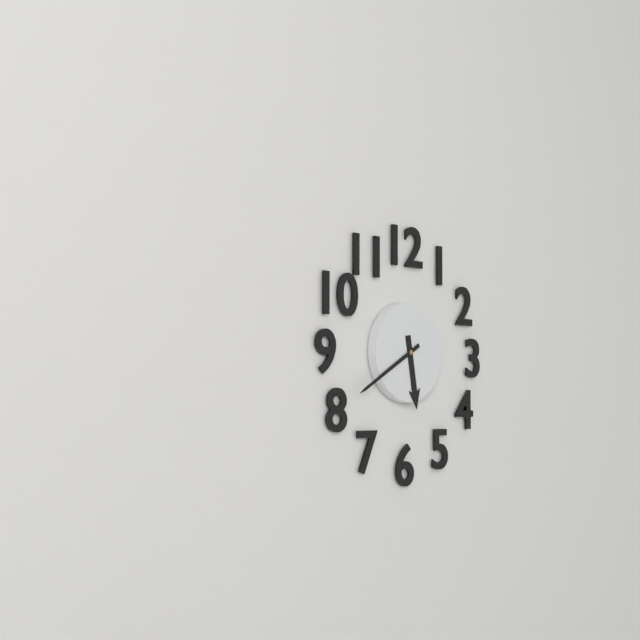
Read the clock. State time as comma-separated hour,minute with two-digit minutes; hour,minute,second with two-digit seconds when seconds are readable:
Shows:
5,40
